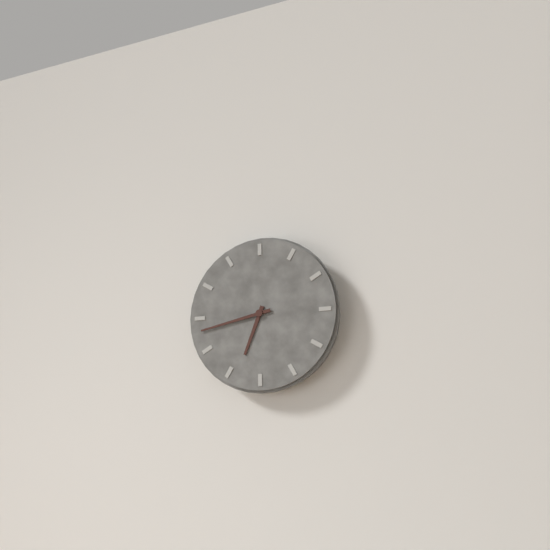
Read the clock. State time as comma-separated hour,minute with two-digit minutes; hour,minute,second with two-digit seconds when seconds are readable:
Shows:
6,43
